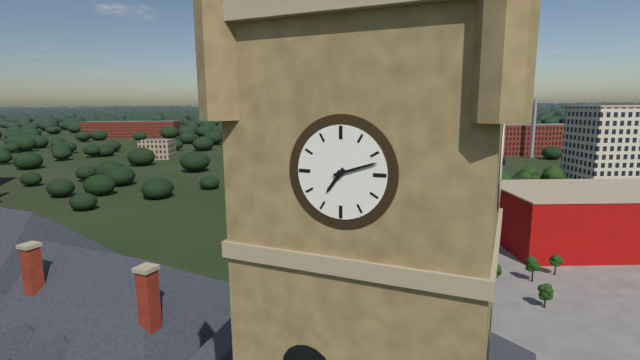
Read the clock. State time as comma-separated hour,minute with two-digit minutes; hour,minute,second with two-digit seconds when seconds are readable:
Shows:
7,12
